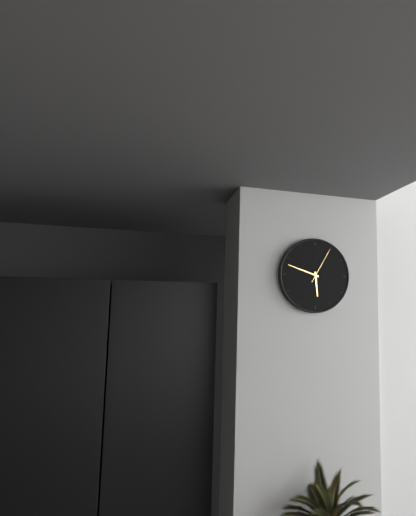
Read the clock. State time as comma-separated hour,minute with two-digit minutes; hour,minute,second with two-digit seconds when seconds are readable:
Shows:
5,48
